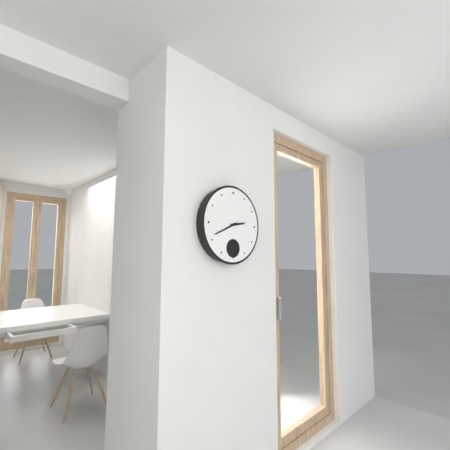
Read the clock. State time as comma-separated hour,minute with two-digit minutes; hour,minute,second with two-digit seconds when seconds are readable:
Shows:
2,41
